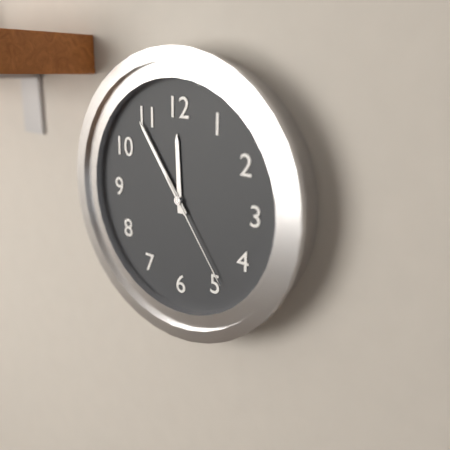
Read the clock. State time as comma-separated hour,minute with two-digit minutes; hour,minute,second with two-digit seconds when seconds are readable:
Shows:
11,54,24
